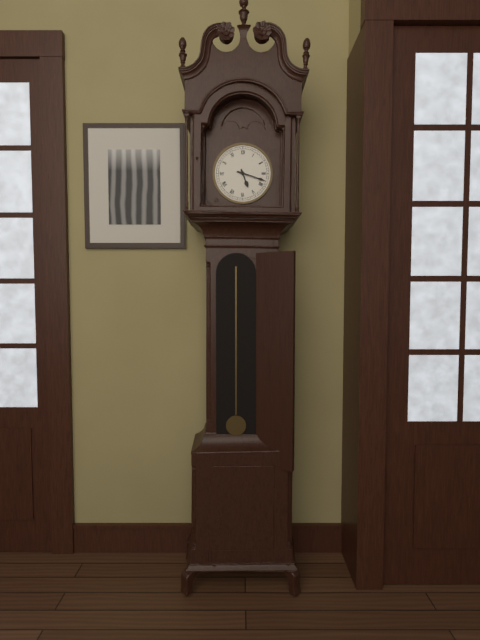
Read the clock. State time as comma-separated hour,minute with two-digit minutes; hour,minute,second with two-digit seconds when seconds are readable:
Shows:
5,18
